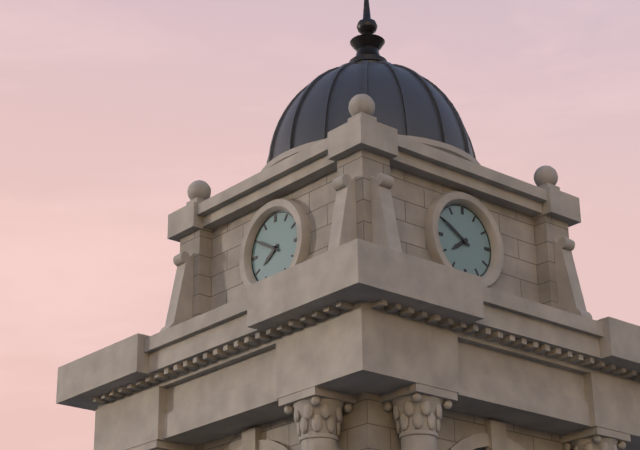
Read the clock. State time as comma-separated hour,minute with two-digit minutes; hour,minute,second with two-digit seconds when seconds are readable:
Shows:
7,50
